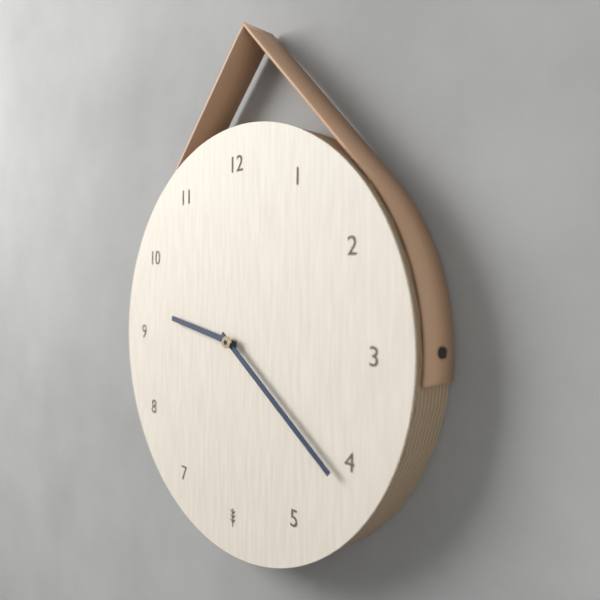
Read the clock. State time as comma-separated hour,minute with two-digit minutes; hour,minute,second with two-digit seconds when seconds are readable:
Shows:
9,21
